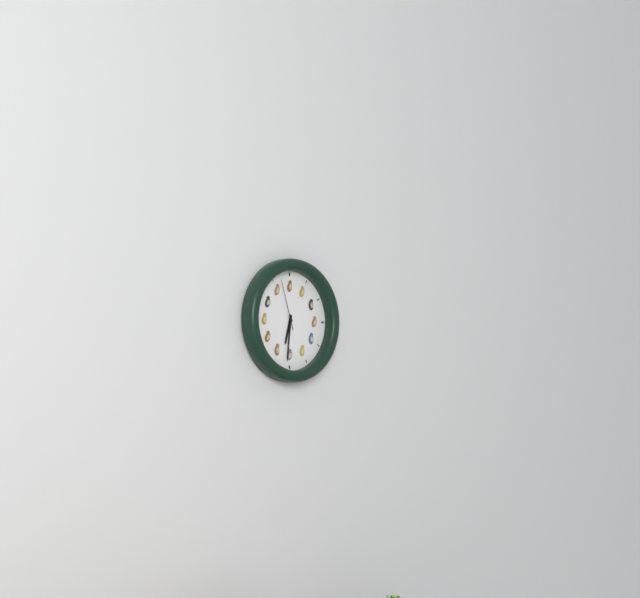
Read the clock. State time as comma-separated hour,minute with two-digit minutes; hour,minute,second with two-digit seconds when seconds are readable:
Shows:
6,31,57
